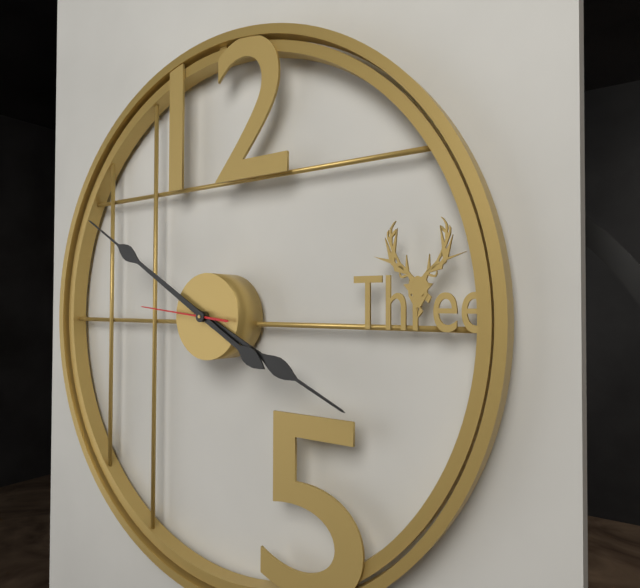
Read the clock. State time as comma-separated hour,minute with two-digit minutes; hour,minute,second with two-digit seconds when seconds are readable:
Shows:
3,50,46
